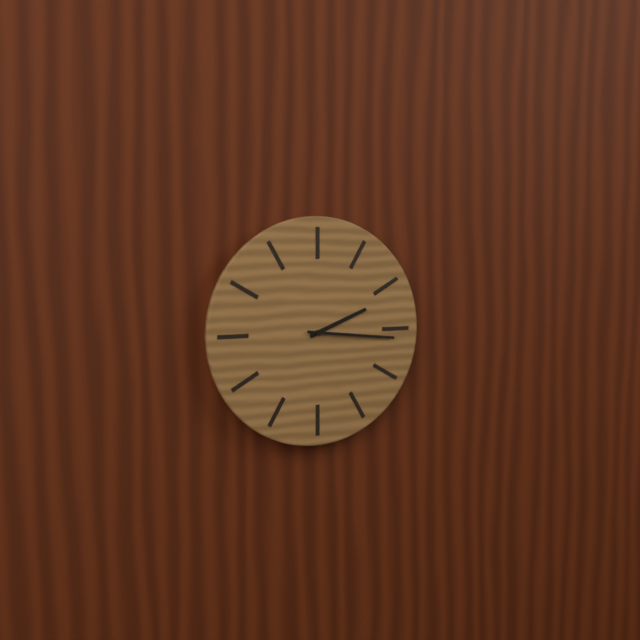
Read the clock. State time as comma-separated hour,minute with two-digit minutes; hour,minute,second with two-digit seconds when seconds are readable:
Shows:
2,16
